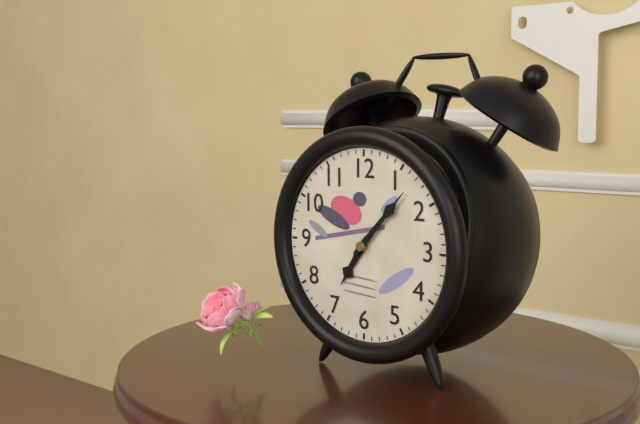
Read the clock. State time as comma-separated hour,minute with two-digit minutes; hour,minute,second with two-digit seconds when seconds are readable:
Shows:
7,07
